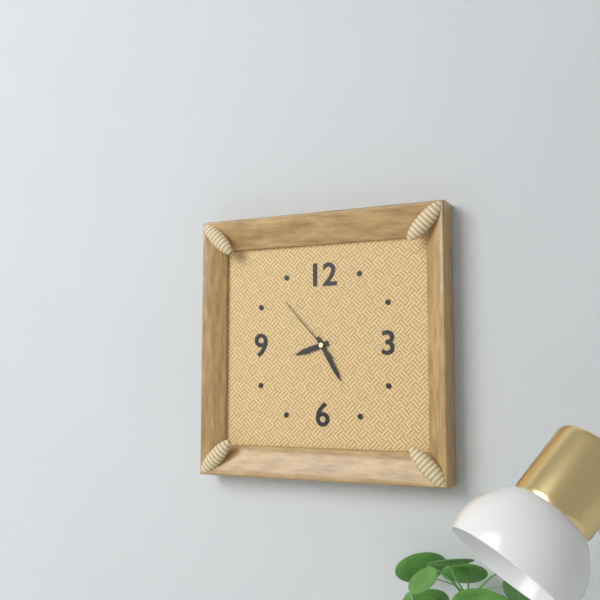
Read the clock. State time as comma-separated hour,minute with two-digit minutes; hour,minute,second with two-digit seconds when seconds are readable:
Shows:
8,25,53
